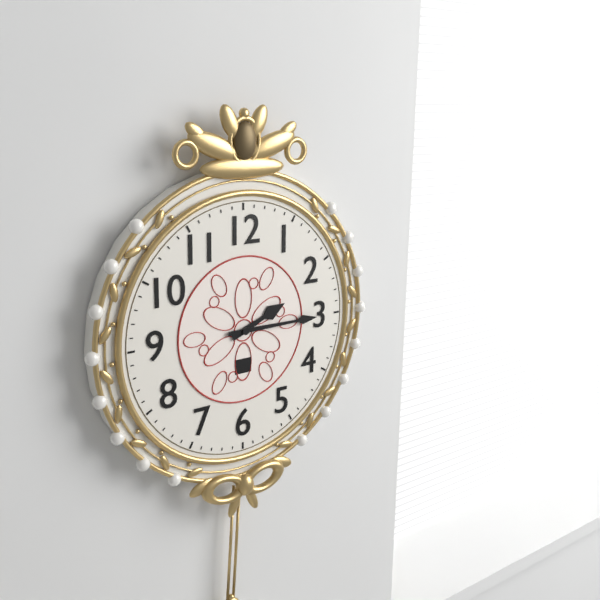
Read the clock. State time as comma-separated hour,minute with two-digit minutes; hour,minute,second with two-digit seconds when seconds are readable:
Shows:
2,15
